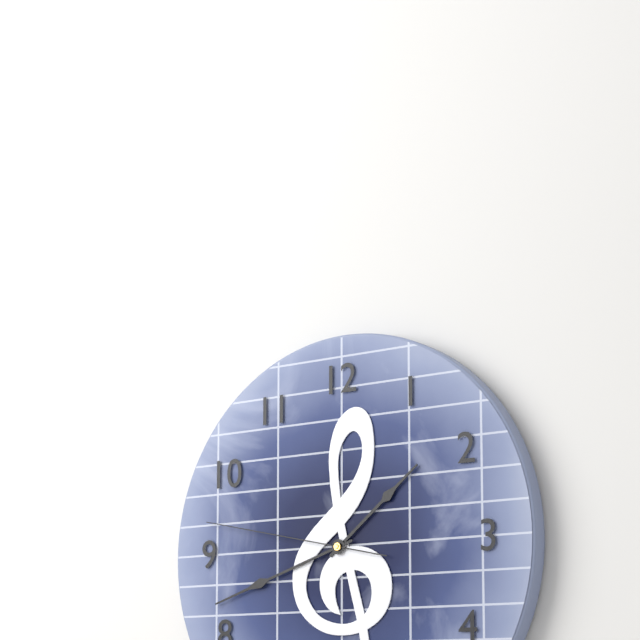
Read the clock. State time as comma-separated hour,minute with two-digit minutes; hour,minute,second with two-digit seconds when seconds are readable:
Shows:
1,42,47
